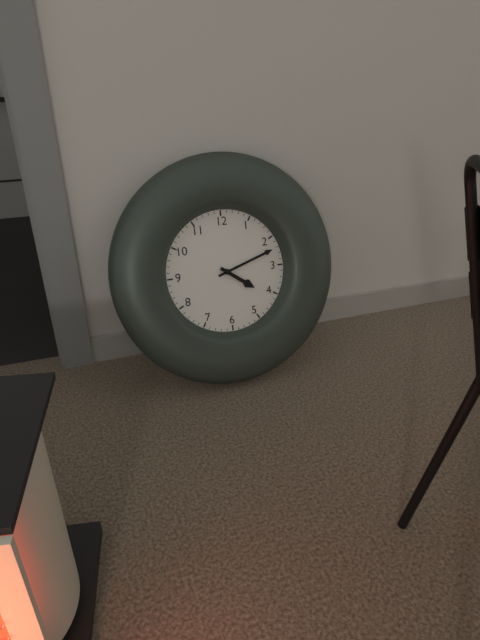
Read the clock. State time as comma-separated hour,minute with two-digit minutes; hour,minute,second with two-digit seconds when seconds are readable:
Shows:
4,12
